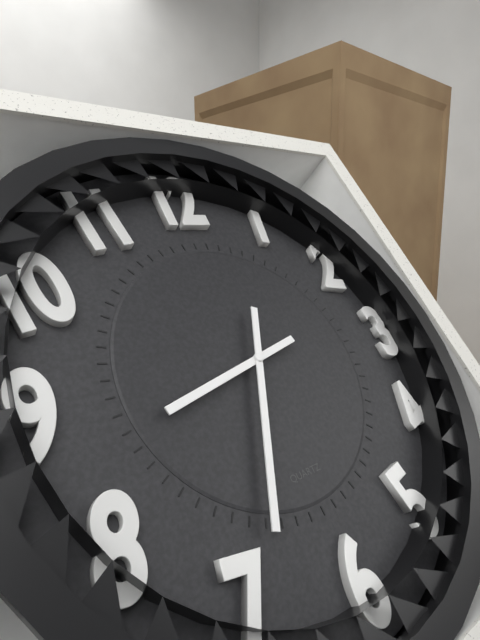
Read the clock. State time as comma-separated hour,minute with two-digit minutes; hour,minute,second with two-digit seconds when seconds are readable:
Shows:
8,34
